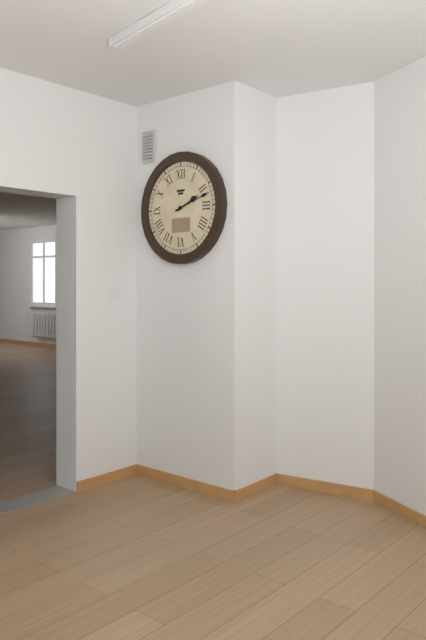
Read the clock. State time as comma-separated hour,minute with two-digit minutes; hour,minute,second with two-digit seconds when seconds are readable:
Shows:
2,12
